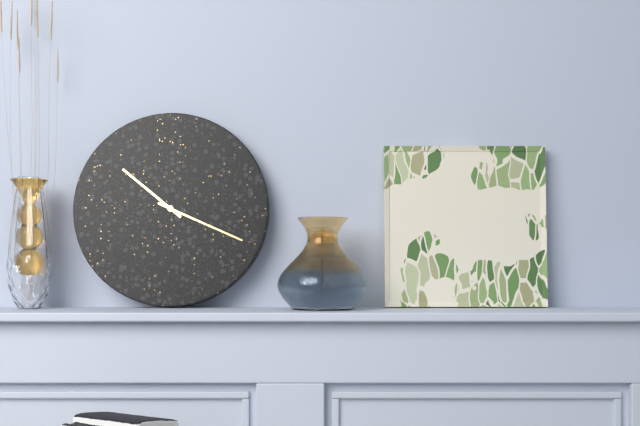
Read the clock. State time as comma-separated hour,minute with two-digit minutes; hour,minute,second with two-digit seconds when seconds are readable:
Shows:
10,19
